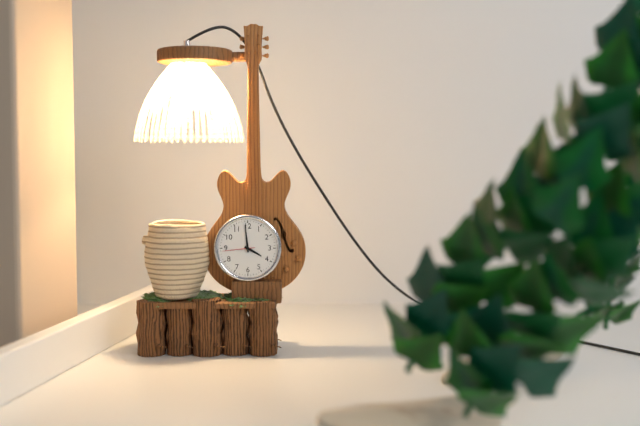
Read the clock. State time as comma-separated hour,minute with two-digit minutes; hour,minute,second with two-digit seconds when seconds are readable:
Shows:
3,59
